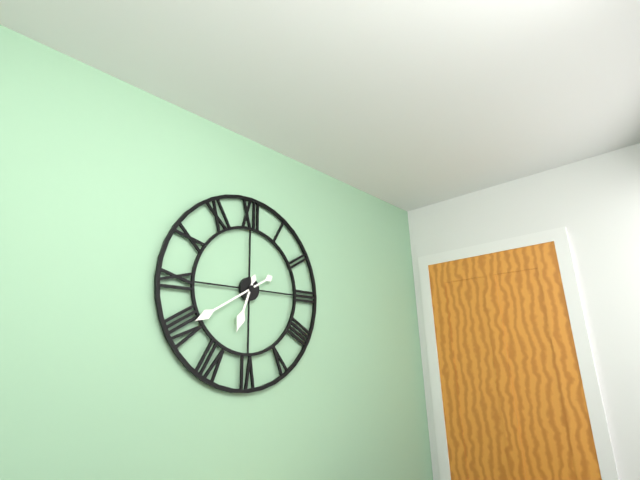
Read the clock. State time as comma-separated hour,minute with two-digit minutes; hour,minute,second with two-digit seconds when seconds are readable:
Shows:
6,40
